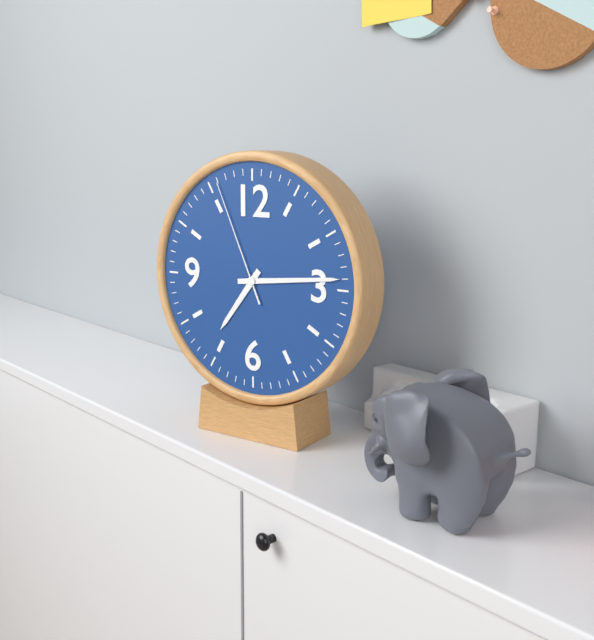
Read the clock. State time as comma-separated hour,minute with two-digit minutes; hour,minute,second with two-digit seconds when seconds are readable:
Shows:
7,14,56
